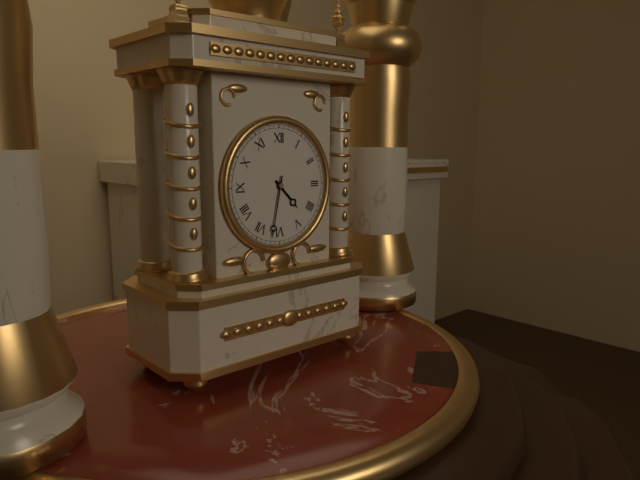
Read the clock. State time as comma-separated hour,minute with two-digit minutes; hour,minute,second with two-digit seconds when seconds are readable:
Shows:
4,32
